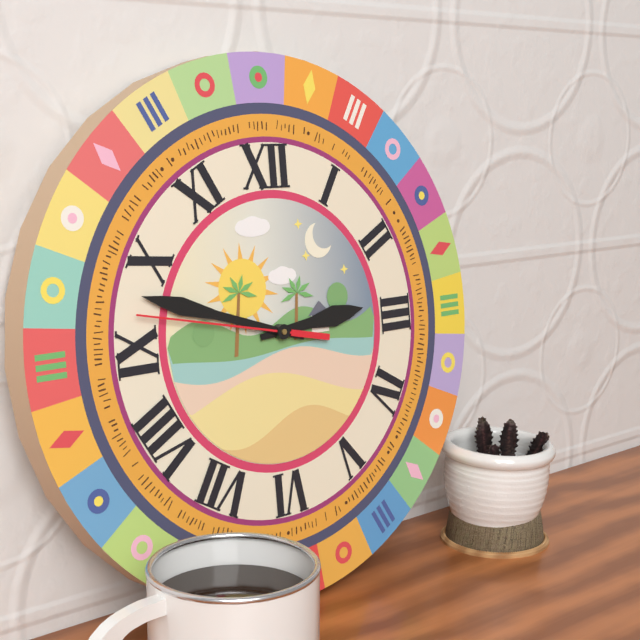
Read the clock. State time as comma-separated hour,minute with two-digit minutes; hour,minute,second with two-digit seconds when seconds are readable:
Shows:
2,48,47
